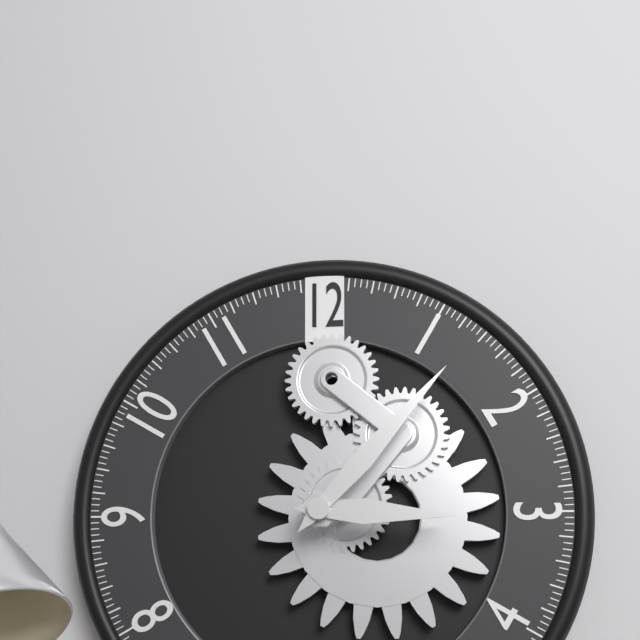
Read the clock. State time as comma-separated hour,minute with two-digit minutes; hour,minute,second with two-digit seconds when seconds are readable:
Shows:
3,07
